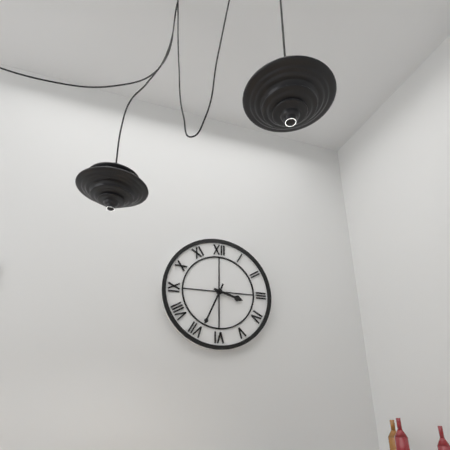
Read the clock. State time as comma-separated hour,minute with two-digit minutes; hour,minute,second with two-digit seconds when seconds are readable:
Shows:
3,34
